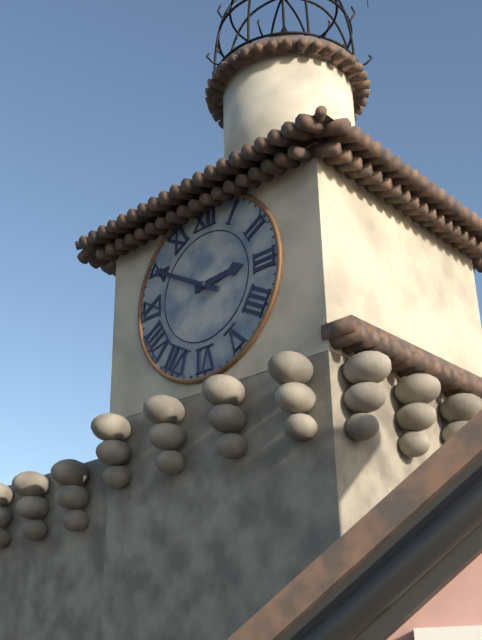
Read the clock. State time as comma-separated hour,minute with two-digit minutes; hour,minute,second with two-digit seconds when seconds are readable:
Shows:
2,50
